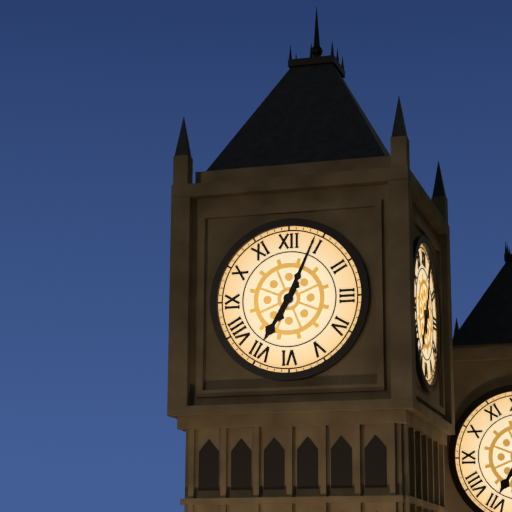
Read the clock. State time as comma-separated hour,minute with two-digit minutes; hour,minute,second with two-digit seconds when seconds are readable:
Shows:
7,04
